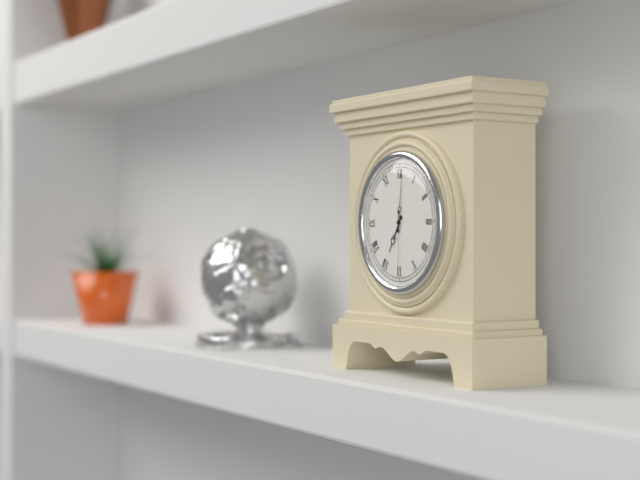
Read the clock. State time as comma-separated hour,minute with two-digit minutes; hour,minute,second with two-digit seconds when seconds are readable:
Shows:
7,01,30
